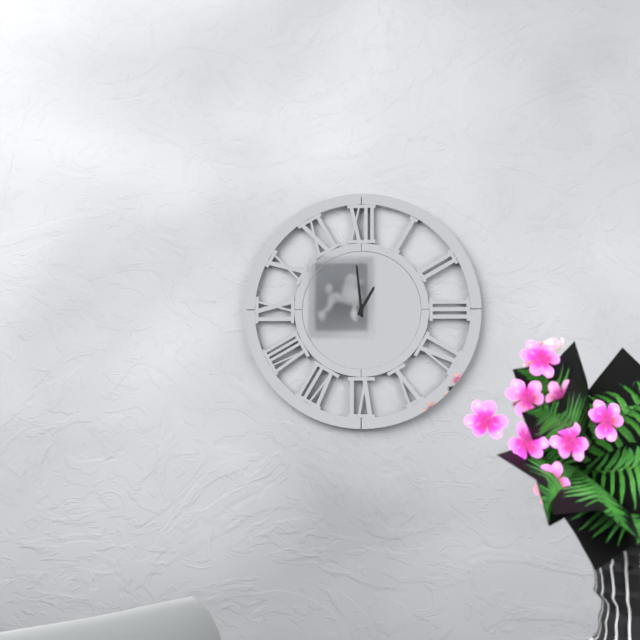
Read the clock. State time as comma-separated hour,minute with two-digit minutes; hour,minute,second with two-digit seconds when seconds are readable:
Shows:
12,59
